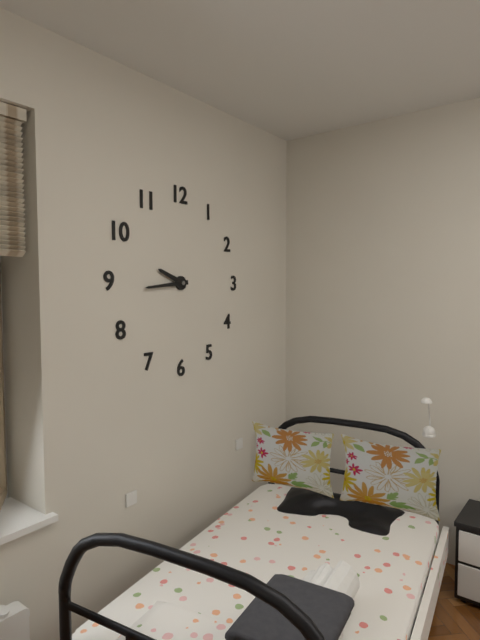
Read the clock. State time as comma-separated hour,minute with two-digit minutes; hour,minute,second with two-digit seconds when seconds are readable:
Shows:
9,44
